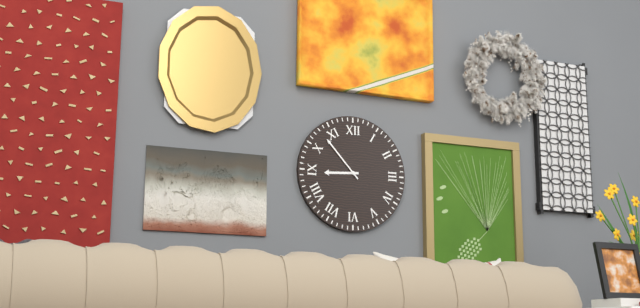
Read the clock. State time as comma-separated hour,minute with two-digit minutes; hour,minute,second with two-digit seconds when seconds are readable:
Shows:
8,53
